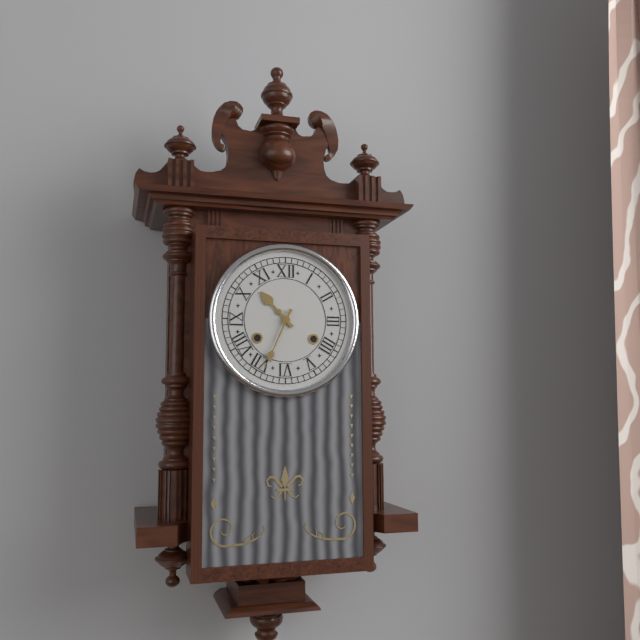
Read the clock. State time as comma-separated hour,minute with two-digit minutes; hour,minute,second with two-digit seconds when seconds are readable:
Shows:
10,34
